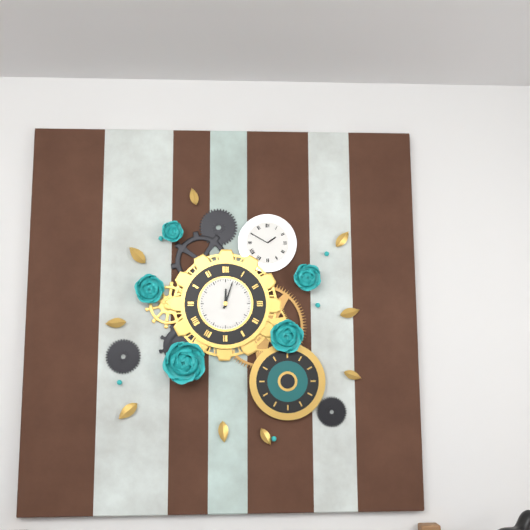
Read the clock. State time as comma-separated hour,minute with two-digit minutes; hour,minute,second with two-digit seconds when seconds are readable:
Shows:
12,03
